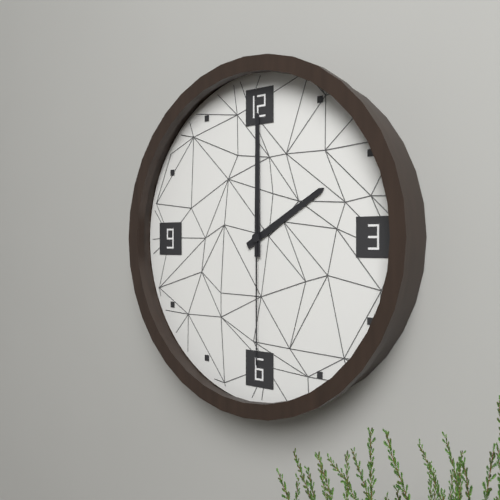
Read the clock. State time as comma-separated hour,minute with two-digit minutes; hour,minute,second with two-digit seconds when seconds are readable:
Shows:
2,00,30
